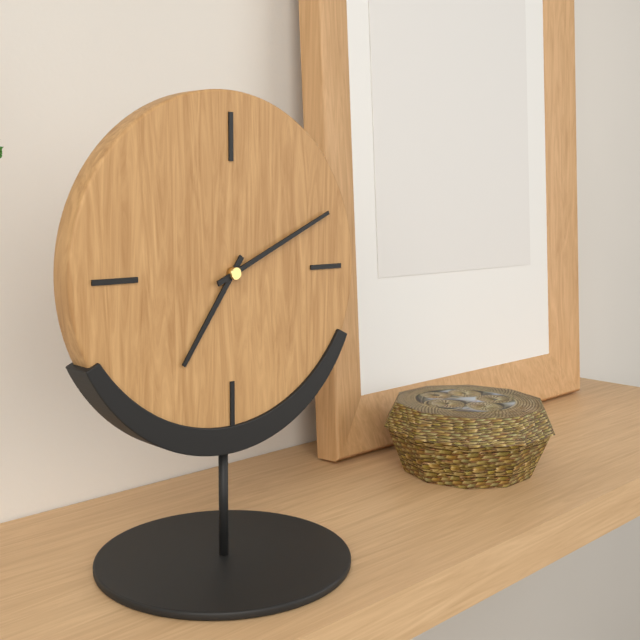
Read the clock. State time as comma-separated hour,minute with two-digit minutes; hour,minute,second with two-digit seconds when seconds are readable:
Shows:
7,11
